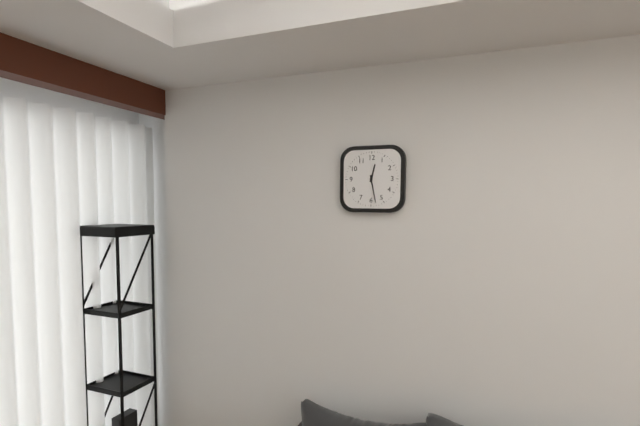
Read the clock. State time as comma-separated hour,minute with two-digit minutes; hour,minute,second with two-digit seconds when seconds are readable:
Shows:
12,28
